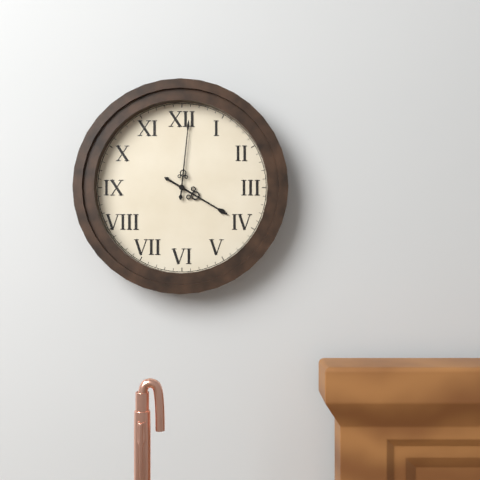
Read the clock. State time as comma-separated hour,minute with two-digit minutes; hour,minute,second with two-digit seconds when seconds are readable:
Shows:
4,01
